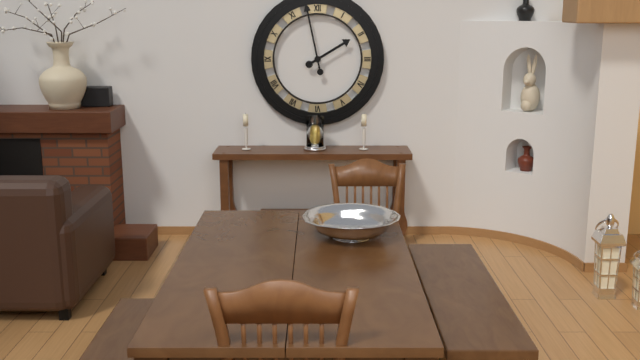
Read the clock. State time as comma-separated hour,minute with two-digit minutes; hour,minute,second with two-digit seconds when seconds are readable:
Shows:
1,58
